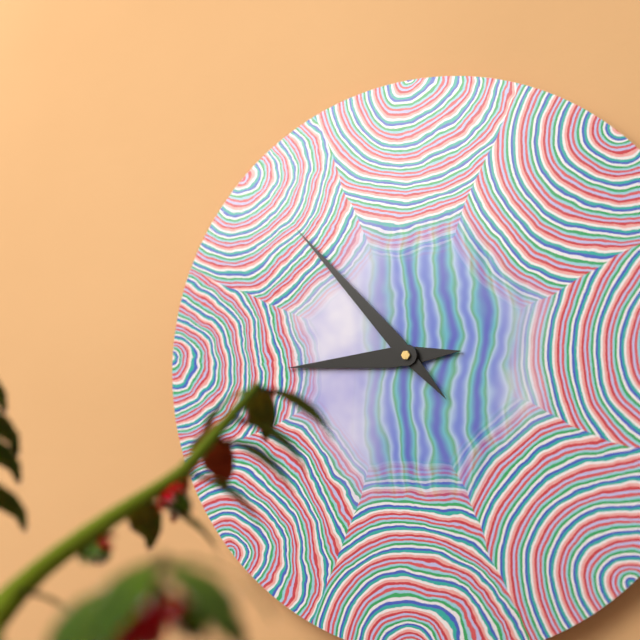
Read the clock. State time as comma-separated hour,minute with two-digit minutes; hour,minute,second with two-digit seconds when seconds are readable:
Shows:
8,53
